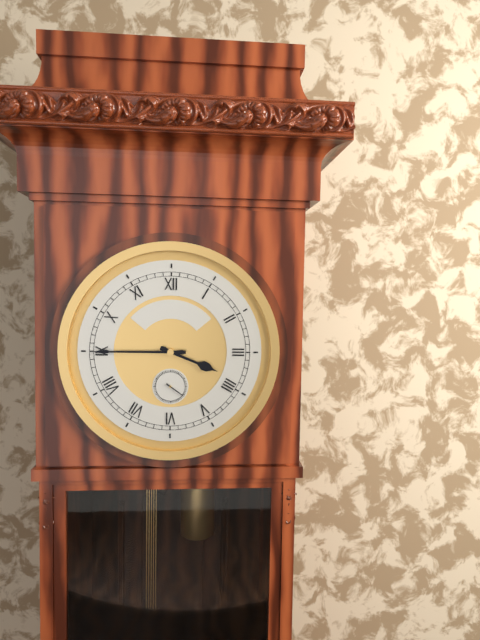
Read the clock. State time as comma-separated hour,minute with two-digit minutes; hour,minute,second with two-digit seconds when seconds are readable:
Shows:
3,45
